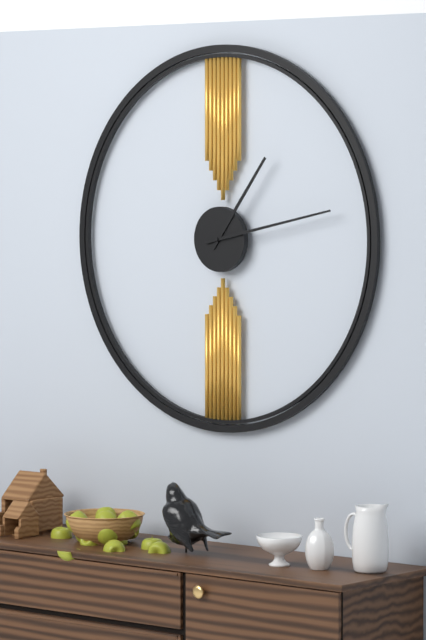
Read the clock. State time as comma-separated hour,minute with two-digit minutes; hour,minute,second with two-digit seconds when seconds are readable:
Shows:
1,13
